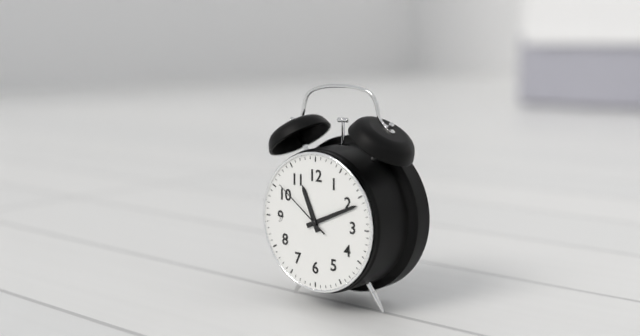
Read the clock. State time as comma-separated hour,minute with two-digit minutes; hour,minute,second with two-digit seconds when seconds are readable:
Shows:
11,11,51
